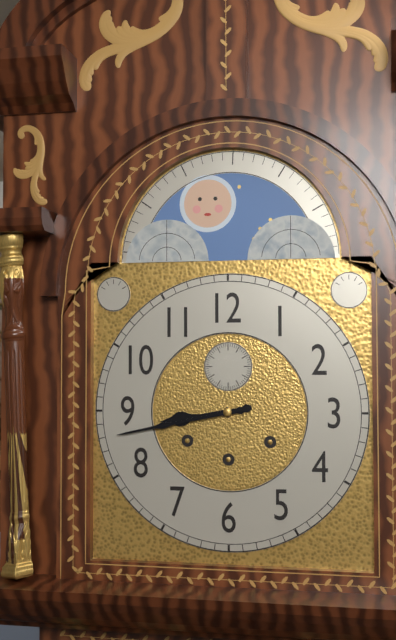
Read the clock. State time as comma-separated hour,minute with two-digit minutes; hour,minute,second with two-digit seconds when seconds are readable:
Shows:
8,43
